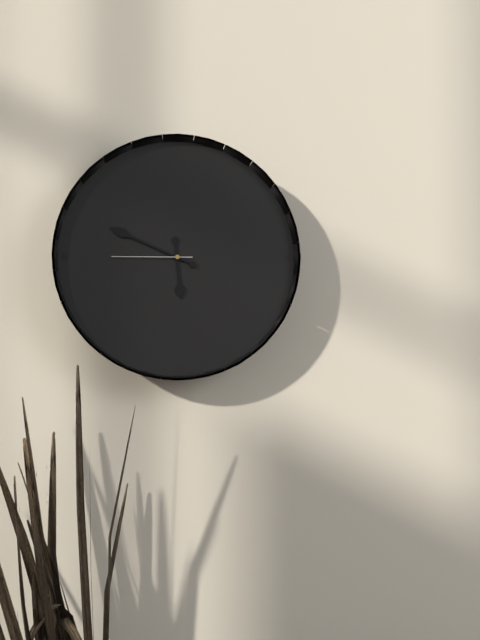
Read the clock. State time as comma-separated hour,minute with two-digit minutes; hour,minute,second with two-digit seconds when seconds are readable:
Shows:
5,49,45
